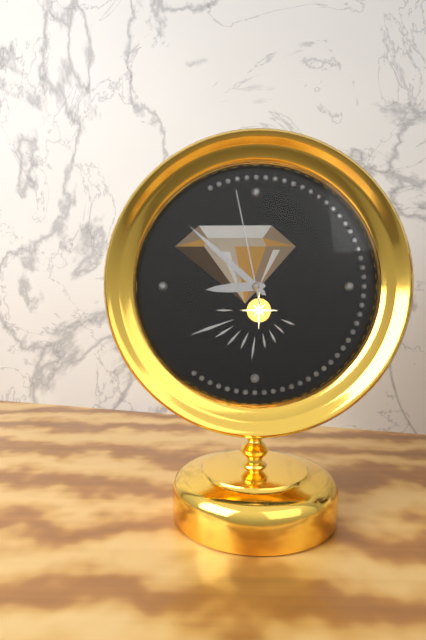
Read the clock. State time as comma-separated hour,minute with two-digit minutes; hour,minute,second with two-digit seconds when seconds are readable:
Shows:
8,52,58
